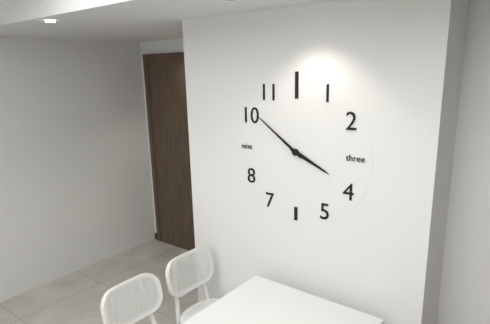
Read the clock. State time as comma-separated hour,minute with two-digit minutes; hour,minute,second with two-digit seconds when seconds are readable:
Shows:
3,51
